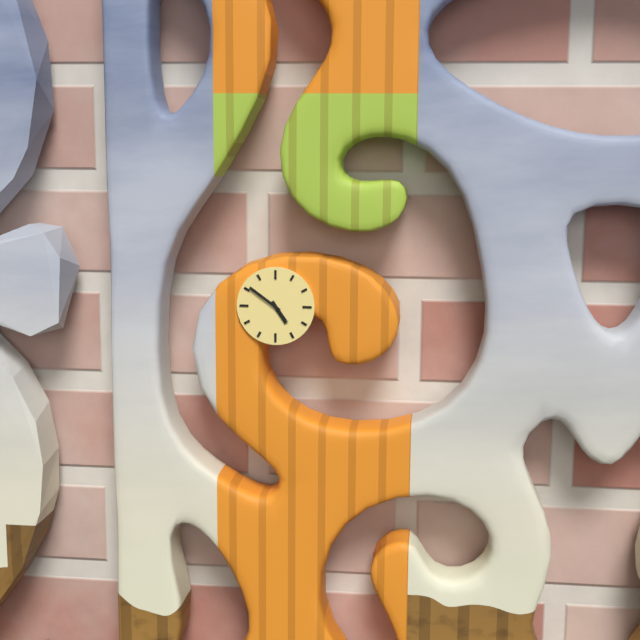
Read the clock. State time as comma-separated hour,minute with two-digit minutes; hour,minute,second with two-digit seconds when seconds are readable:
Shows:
4,51
